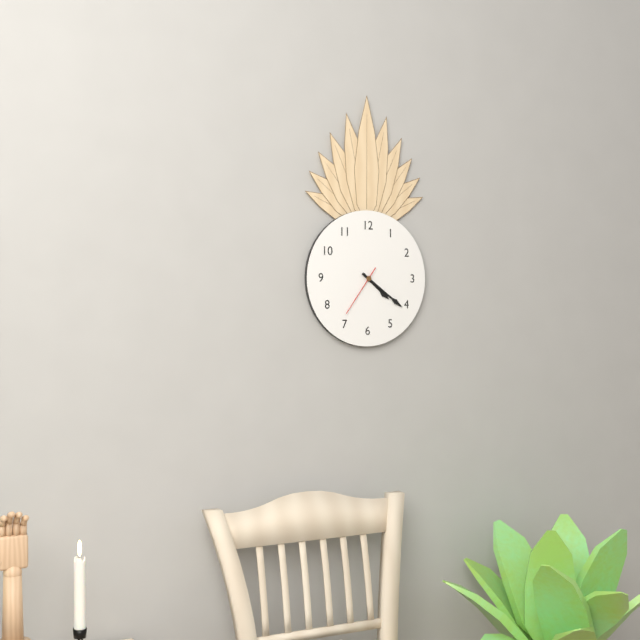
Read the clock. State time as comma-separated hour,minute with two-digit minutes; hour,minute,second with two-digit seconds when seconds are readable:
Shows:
4,21,36
